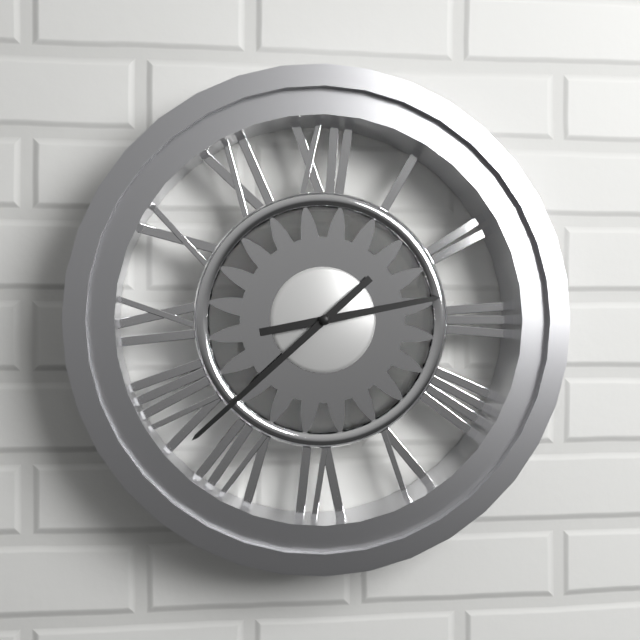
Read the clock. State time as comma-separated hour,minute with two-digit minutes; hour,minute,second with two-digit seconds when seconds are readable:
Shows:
2,38
